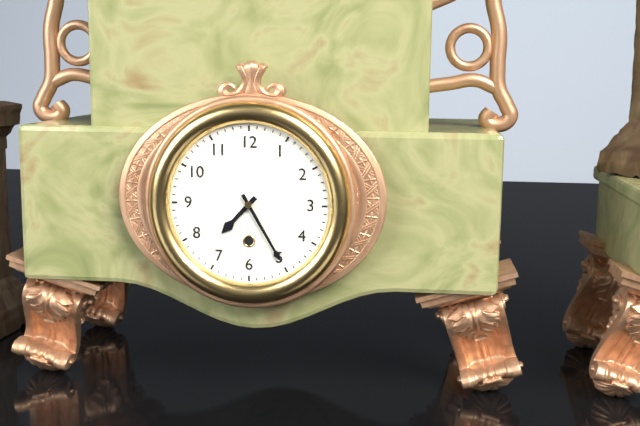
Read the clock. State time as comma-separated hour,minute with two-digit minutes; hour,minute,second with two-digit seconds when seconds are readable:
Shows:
7,25
